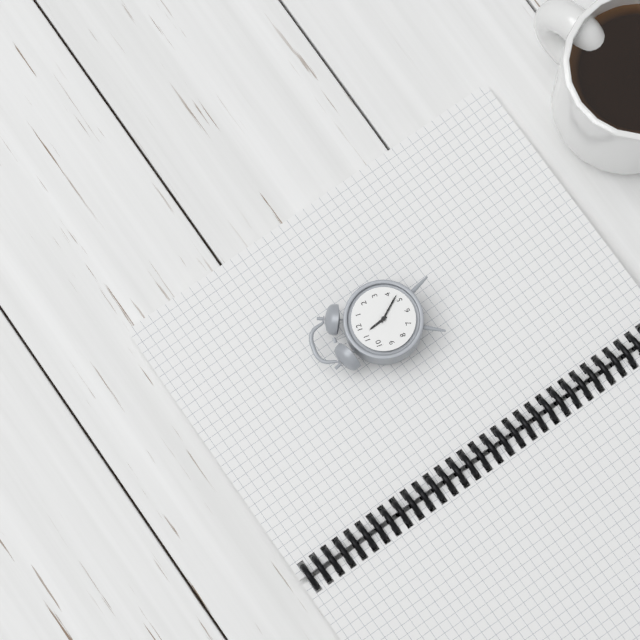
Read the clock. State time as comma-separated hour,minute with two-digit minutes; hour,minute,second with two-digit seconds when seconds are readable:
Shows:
11,23
